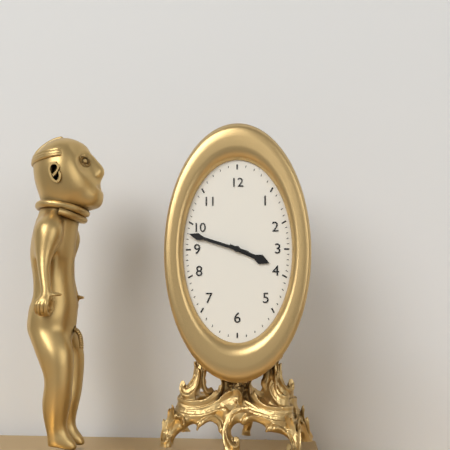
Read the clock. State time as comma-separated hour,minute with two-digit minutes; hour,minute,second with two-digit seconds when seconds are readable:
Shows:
3,48
